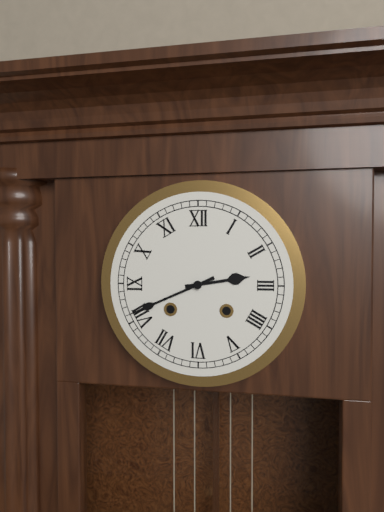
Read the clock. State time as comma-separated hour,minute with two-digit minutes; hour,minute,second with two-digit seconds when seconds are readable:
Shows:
2,41
